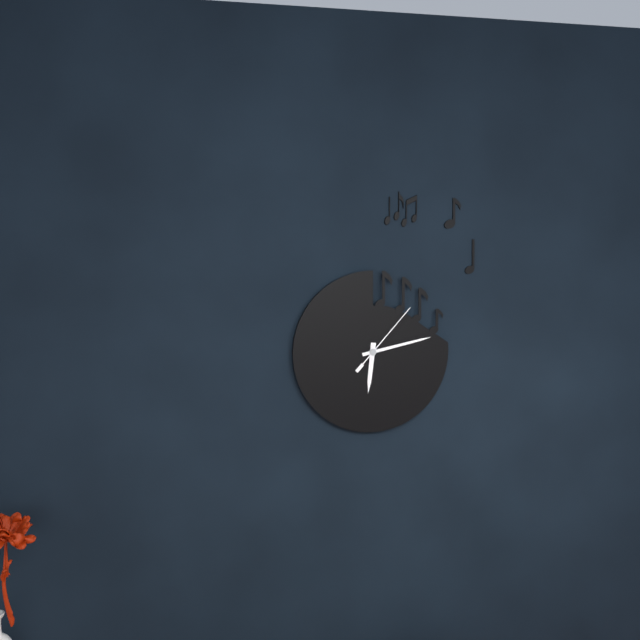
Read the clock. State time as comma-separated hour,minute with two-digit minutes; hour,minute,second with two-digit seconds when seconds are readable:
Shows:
6,13,07
